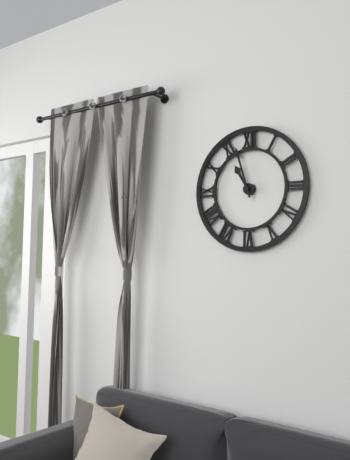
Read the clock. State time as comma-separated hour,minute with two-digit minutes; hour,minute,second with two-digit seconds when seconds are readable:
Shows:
10,57
